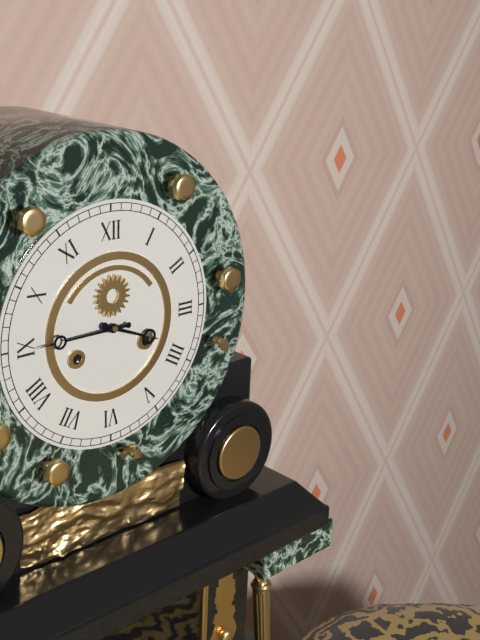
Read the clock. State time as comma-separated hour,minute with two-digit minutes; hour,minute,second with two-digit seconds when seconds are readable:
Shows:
3,45
